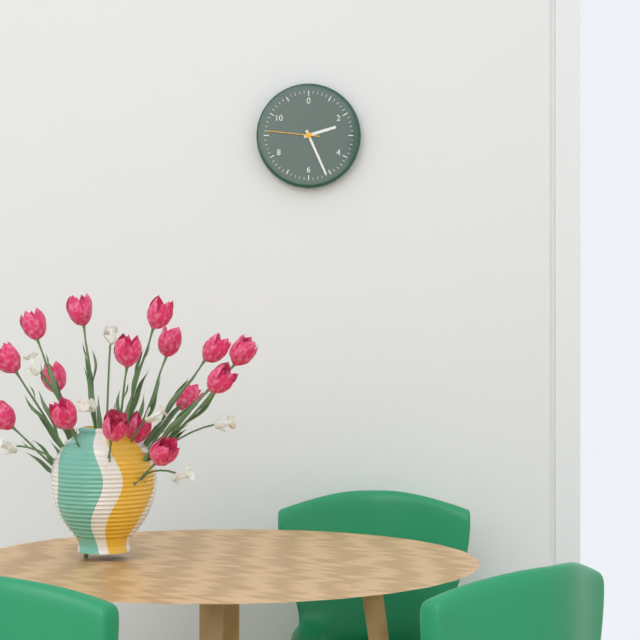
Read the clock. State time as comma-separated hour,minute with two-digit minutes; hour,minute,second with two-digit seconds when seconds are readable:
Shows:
2,26,46
